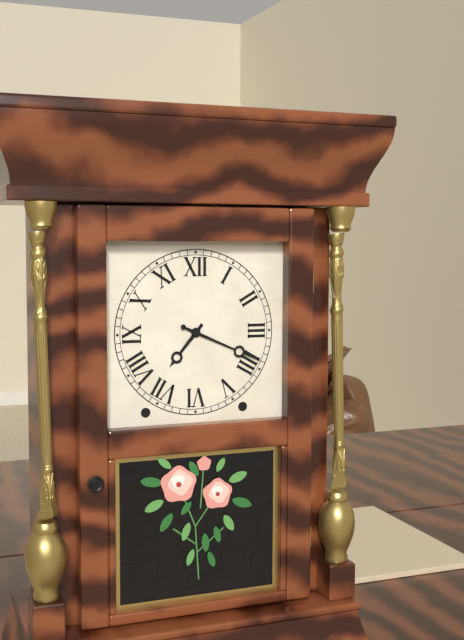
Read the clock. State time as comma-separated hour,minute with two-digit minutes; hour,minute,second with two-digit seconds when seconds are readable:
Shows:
7,19
